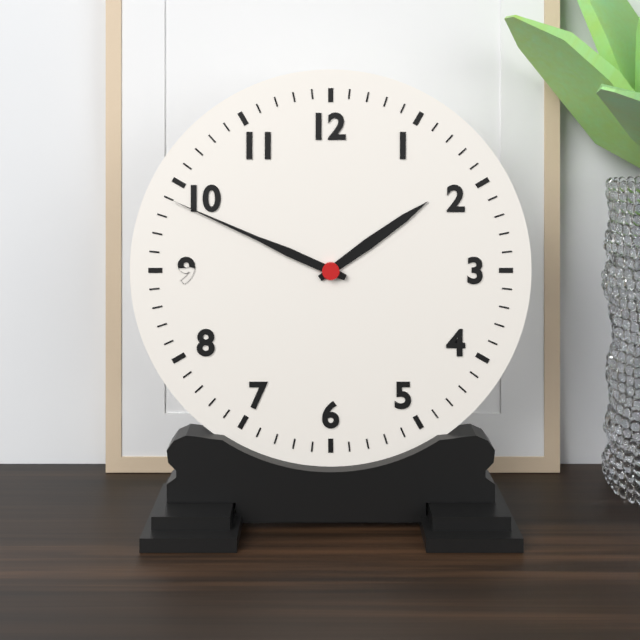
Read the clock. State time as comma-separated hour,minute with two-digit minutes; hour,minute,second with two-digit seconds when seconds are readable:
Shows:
1,49
